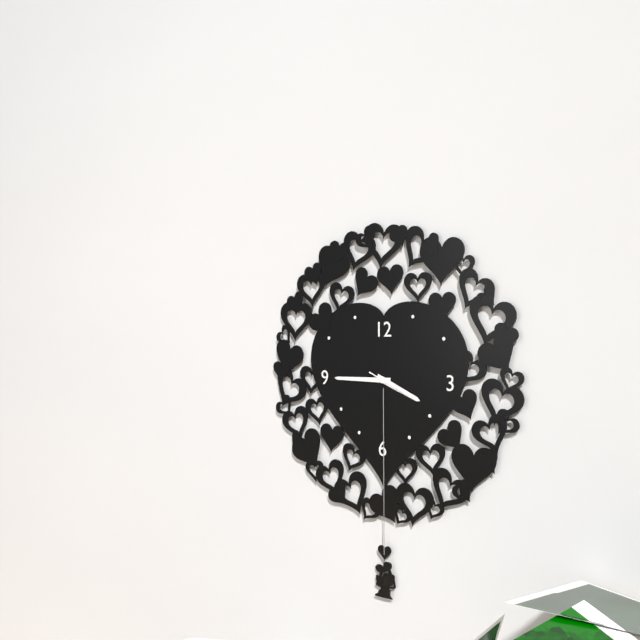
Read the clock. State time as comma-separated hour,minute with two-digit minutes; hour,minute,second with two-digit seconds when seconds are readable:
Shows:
3,45,19
